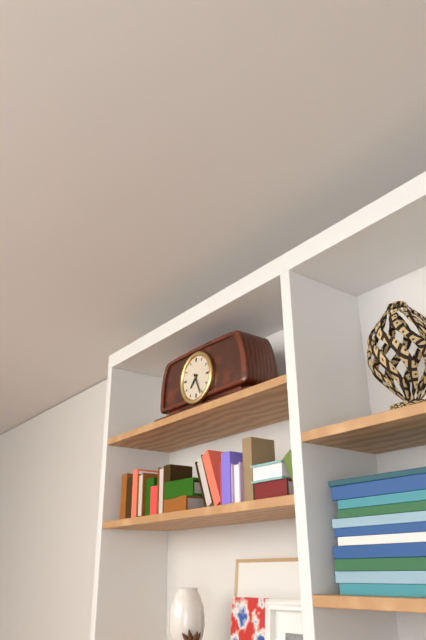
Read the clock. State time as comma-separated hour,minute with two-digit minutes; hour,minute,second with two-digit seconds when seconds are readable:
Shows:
7,26
